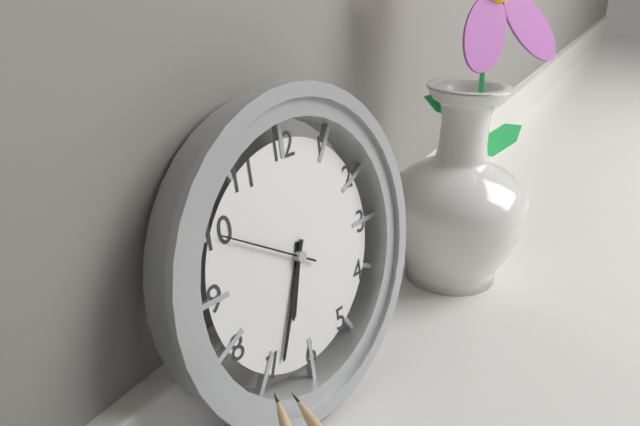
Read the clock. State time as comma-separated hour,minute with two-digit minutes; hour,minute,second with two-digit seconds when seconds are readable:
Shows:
6,34,50
